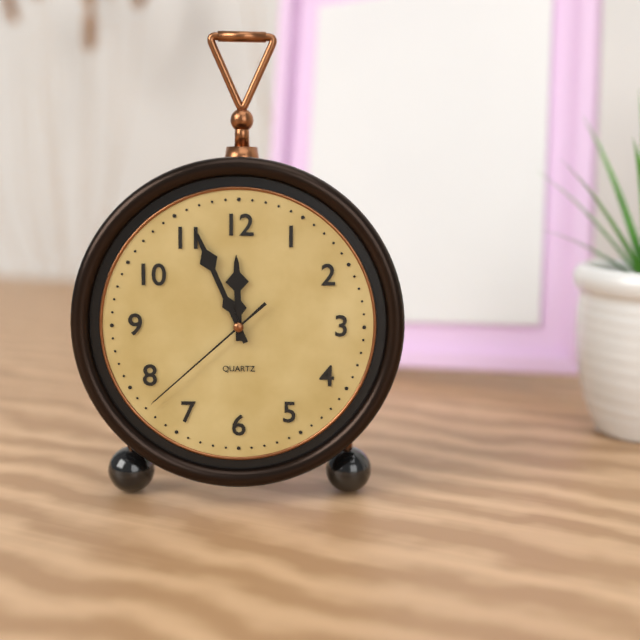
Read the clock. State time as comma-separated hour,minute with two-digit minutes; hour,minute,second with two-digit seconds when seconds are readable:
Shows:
11,56,38
